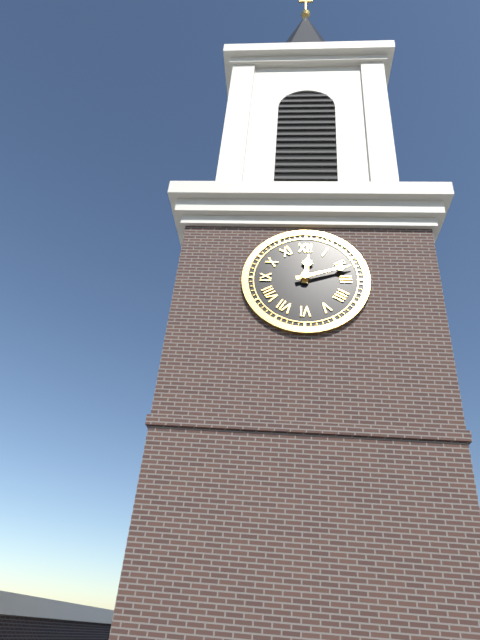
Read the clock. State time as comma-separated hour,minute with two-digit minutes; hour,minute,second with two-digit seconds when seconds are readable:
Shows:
12,12
